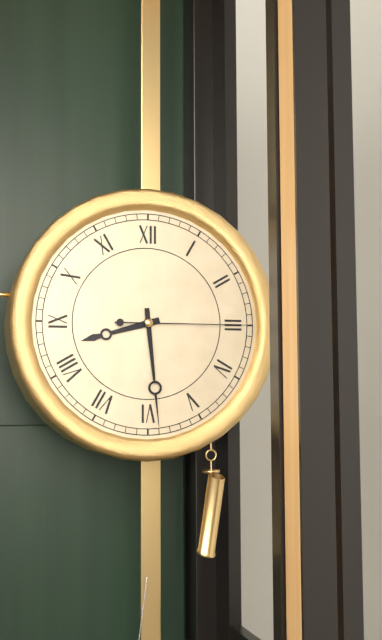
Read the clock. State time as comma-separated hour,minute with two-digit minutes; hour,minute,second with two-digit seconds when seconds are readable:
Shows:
8,29,15
